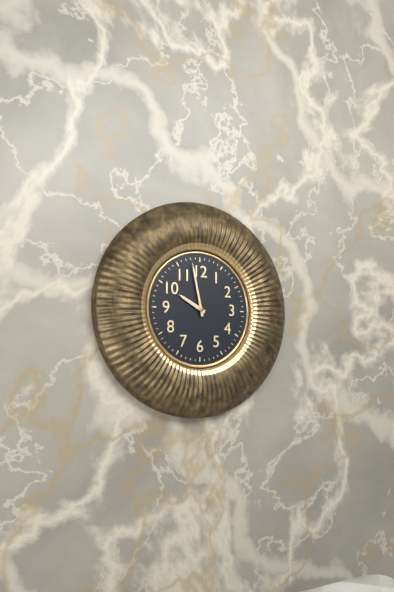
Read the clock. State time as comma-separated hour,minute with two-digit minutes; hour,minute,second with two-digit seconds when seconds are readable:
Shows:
9,58
